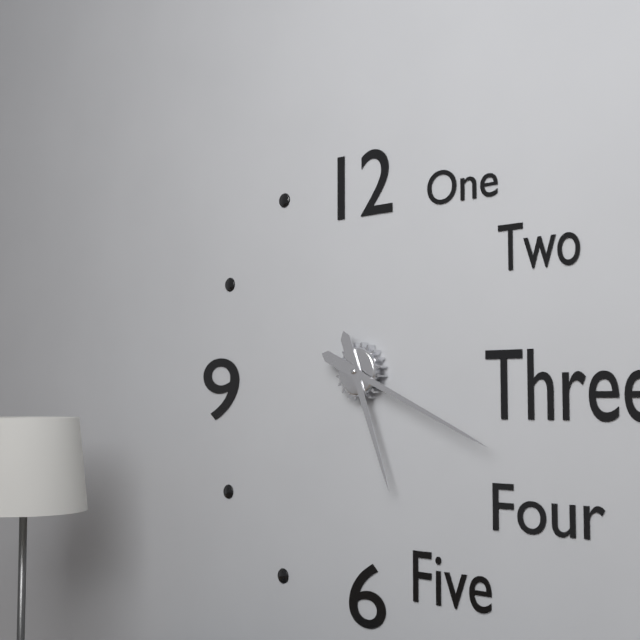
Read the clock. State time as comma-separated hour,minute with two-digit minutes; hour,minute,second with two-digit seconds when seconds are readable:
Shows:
5,19
